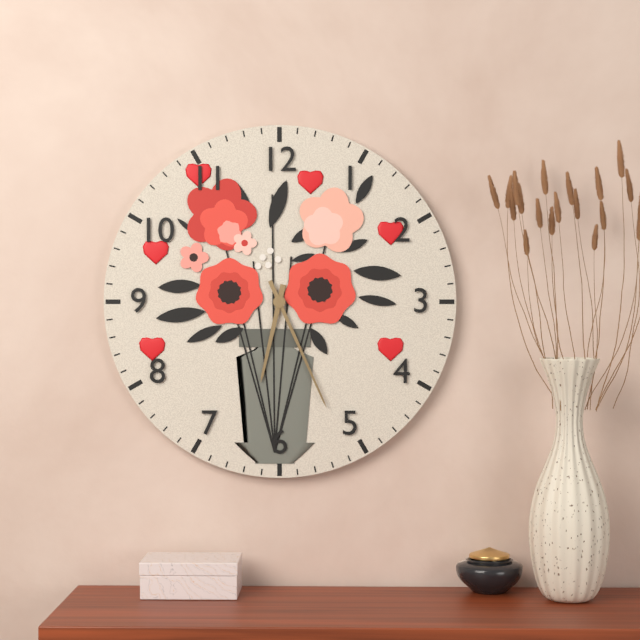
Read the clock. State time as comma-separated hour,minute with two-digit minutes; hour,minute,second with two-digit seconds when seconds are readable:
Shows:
6,26
